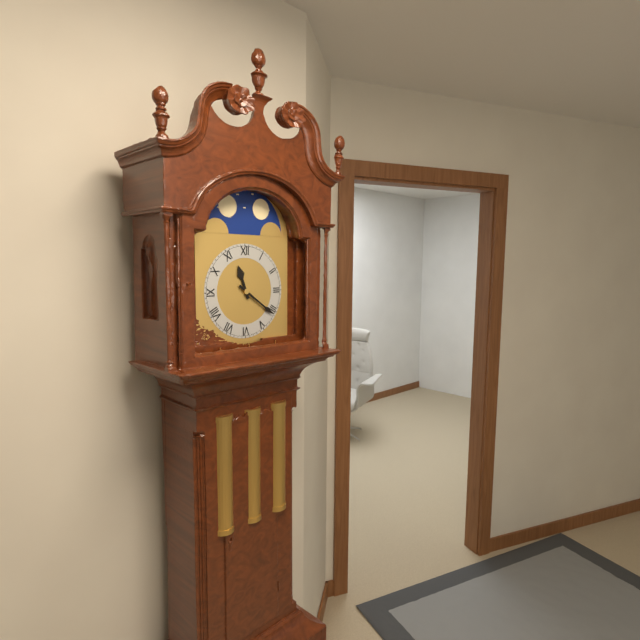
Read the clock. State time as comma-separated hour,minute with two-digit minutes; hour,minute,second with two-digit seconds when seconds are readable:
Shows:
11,21
